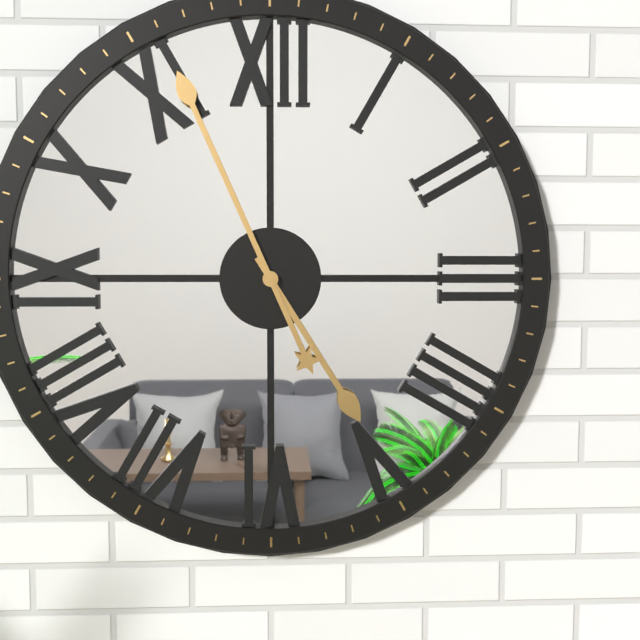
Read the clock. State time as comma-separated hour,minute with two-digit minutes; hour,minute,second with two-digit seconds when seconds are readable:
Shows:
4,56
